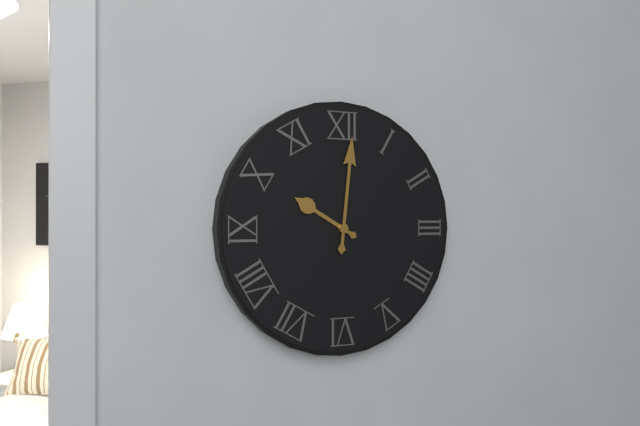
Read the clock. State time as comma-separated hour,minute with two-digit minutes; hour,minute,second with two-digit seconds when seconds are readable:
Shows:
10,01
